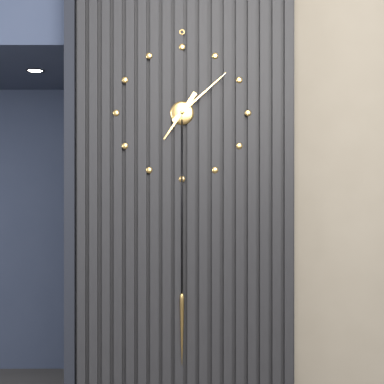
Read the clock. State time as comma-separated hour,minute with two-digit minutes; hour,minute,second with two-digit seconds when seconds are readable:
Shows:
7,08
